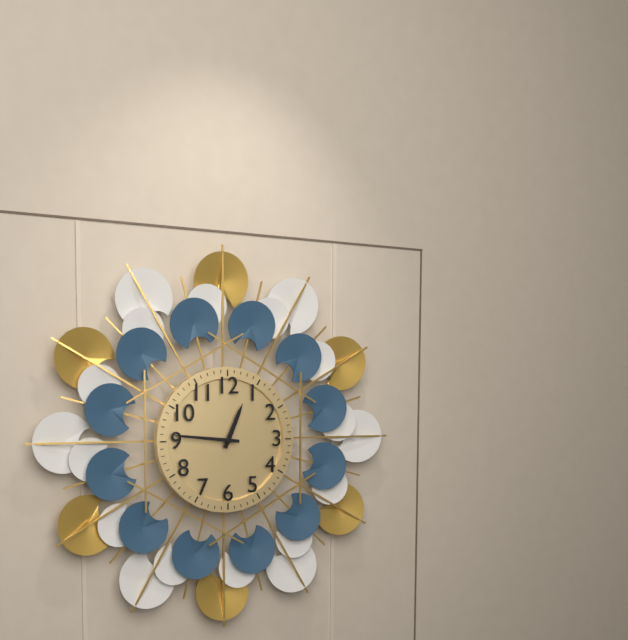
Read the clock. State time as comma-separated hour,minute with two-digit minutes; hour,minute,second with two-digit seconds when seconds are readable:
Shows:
12,46
